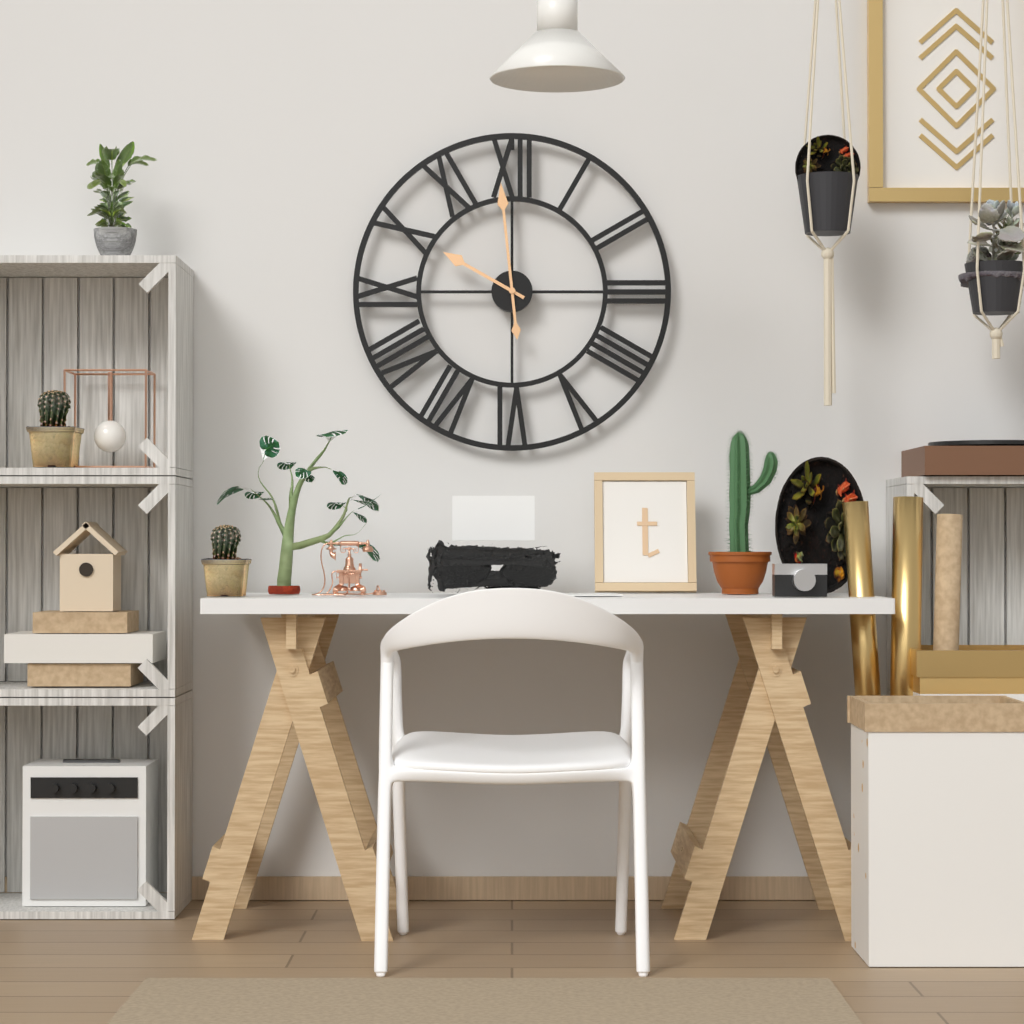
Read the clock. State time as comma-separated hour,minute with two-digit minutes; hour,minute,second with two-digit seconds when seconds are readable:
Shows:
9,59
